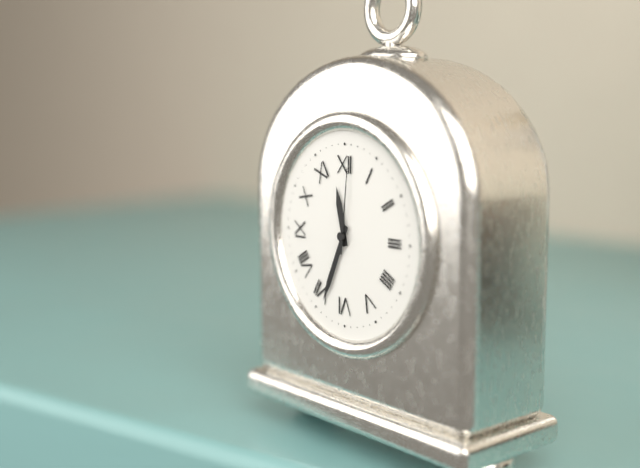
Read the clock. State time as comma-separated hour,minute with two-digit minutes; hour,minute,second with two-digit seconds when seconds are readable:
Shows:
11,34,01
